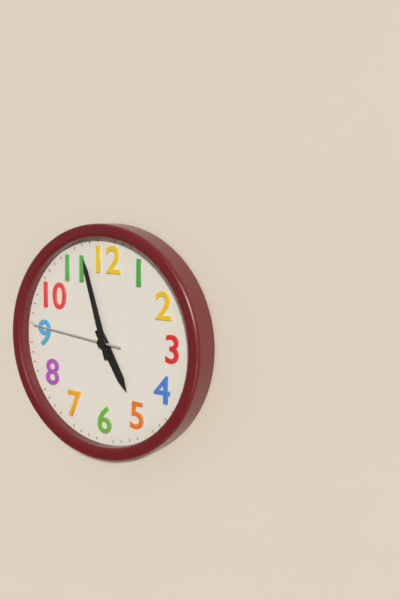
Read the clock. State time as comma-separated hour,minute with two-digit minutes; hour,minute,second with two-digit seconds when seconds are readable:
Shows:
4,57,46
